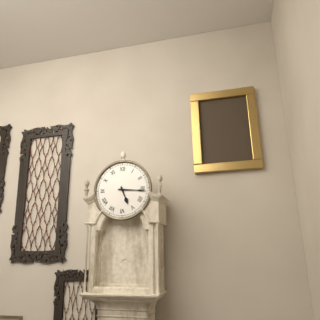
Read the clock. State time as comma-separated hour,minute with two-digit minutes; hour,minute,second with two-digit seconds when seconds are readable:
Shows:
5,16
